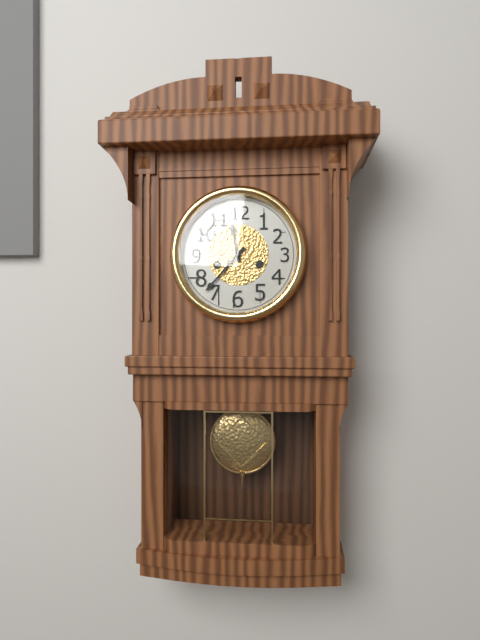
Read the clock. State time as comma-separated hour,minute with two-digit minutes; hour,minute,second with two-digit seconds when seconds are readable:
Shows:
11,37
